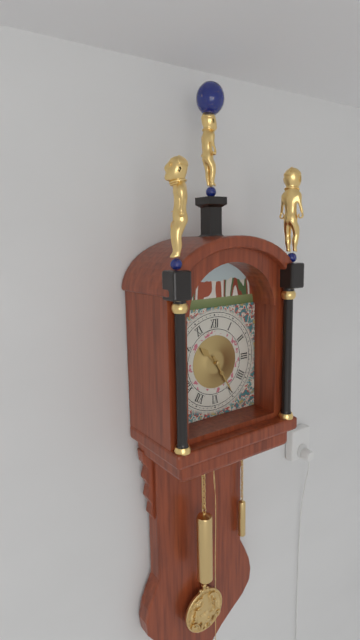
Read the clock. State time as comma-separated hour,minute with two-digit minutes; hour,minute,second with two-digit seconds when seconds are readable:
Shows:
10,25
